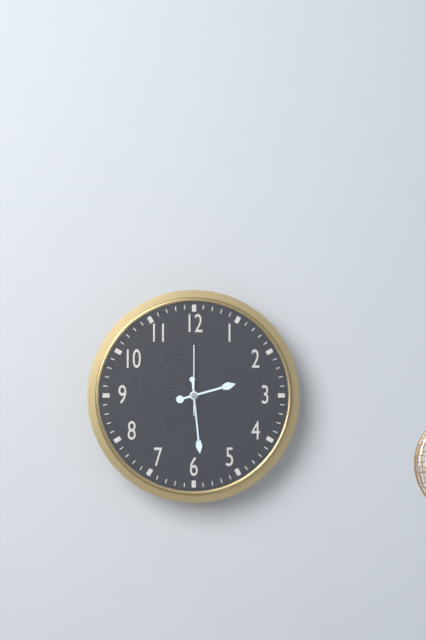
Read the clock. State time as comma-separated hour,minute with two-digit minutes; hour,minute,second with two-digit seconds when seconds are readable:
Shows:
2,29,00
